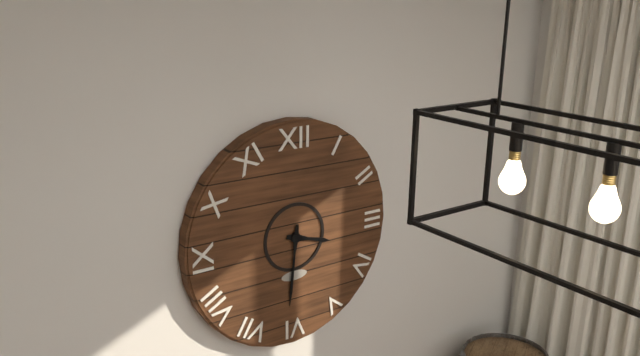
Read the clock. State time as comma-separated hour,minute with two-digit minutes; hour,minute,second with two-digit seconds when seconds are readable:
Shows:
3,31
